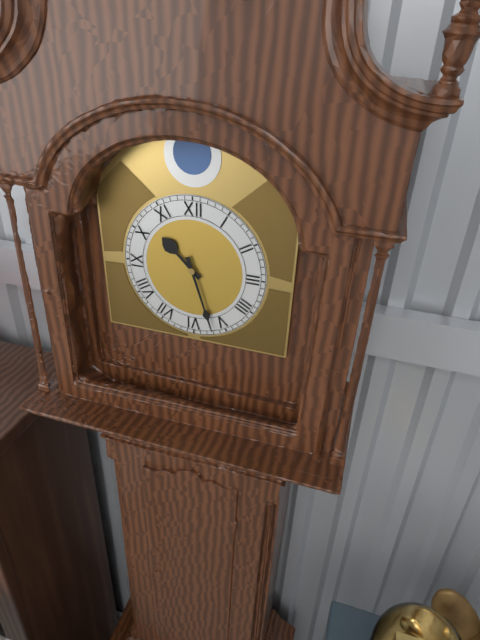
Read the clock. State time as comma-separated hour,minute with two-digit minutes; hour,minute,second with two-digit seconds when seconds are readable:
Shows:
10,27
